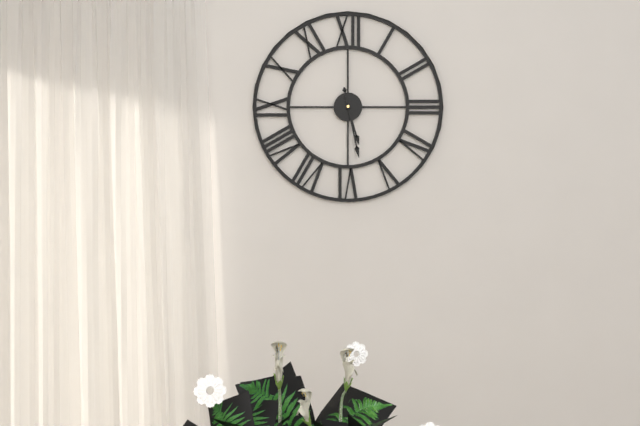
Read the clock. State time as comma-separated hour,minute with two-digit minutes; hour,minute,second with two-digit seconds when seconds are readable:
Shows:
5,28
